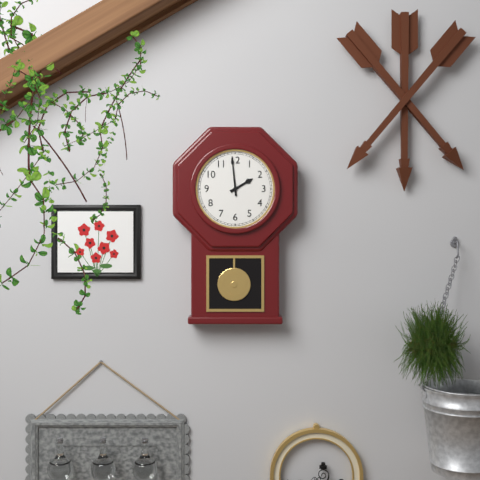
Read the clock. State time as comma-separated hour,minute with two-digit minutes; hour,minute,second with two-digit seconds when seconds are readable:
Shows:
1,59
